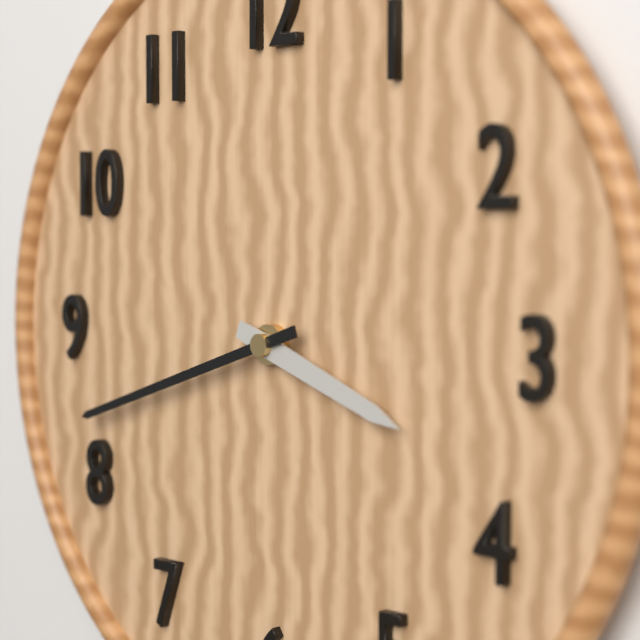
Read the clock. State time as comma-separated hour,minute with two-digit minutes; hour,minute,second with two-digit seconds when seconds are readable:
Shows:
3,42
